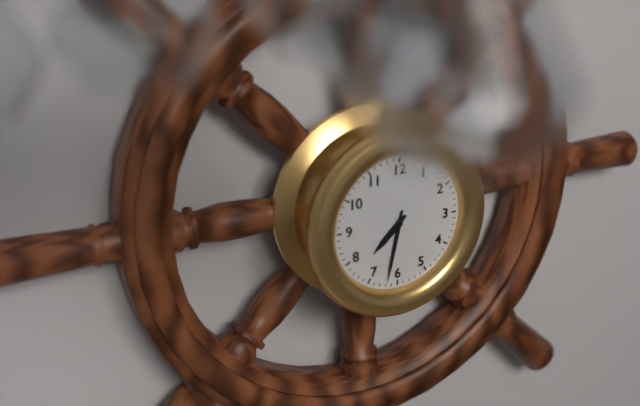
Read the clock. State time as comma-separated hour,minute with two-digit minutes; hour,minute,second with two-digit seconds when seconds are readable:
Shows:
7,32
